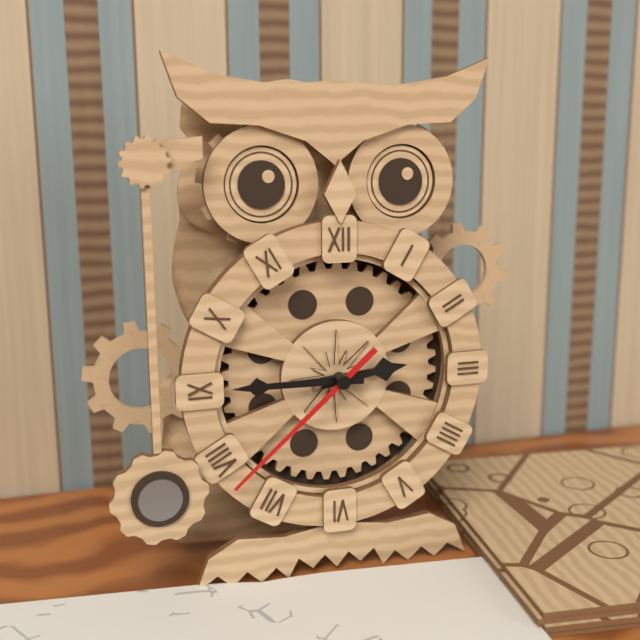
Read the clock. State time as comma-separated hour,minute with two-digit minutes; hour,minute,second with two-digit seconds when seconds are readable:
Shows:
2,45,38
